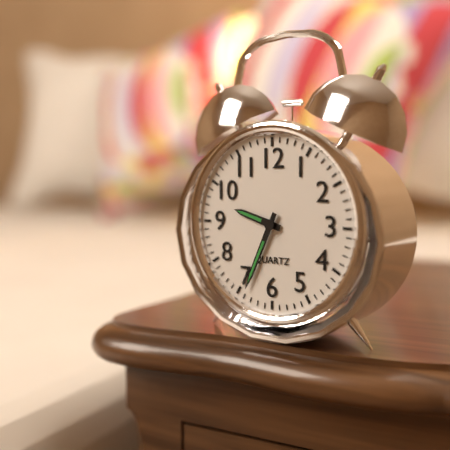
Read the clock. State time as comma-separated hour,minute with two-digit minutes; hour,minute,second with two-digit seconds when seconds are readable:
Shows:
9,34
